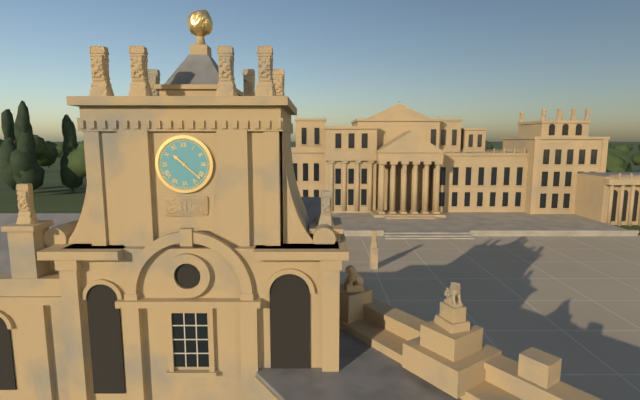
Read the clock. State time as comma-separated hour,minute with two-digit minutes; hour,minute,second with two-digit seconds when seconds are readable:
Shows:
10,22
